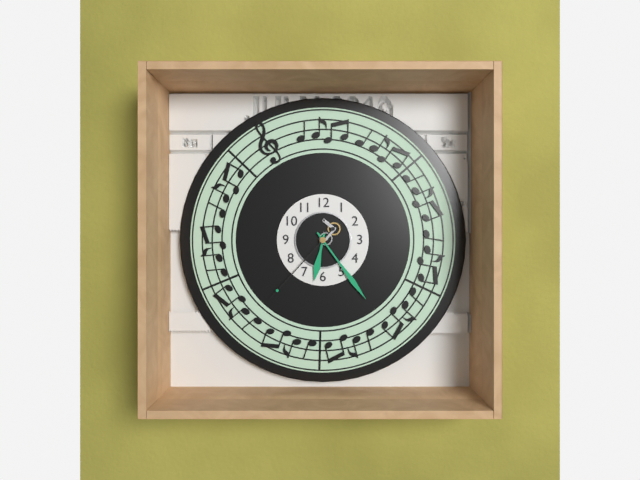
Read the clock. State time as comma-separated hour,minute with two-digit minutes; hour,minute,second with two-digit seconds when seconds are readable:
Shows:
6,24,37
